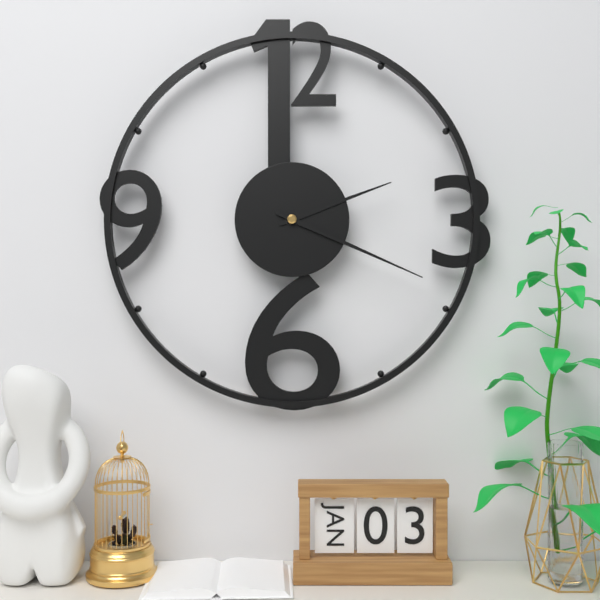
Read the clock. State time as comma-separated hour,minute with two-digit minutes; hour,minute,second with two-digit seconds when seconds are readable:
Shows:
2,19
